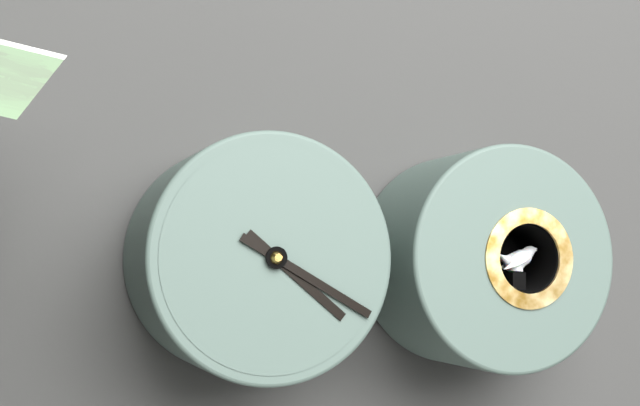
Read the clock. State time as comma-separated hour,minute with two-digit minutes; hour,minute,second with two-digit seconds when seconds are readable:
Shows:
4,20
